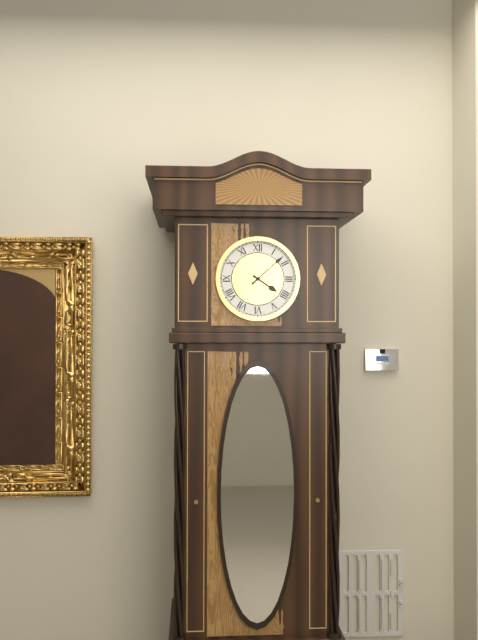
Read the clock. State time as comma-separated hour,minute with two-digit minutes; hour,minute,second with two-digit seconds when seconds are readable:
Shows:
4,08
